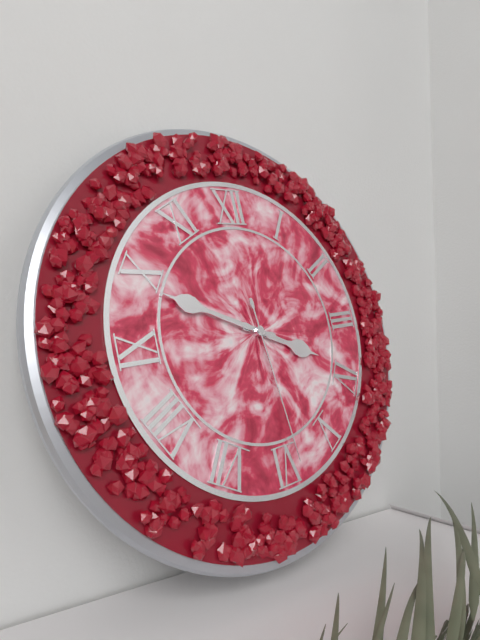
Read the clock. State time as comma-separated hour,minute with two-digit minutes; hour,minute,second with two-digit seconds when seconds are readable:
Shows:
3,49,29
